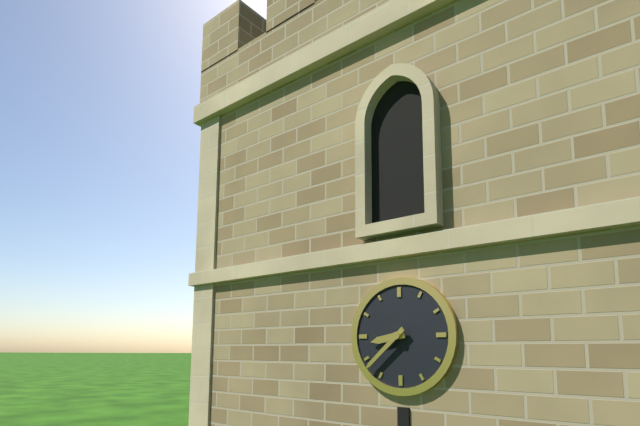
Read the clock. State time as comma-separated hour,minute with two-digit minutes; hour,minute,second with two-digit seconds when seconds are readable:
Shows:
8,38
